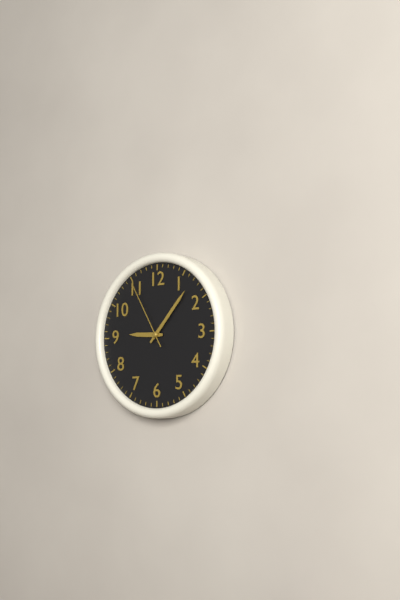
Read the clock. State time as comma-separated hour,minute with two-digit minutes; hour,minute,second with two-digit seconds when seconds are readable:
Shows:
9,07,55
